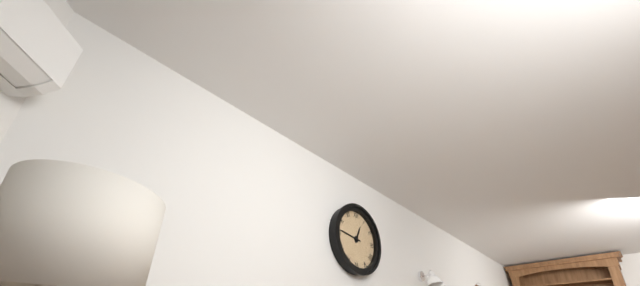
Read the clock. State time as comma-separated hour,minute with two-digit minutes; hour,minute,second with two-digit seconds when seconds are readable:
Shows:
12,46
